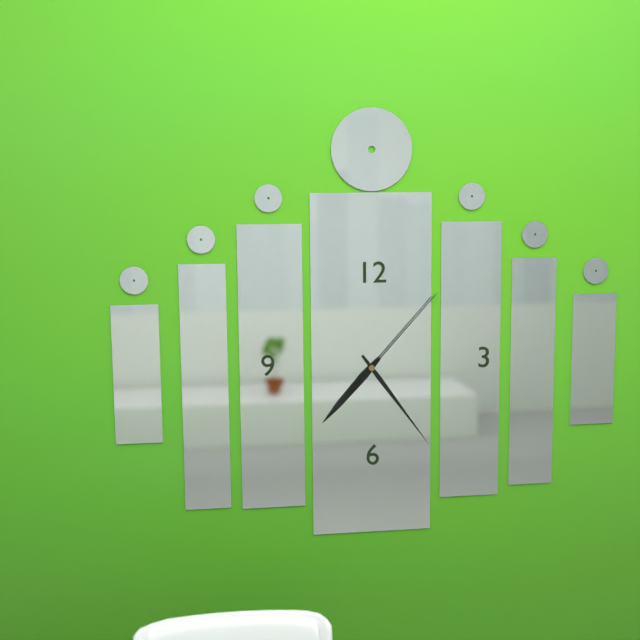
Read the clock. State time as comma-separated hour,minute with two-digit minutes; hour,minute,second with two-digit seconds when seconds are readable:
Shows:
7,24,07
